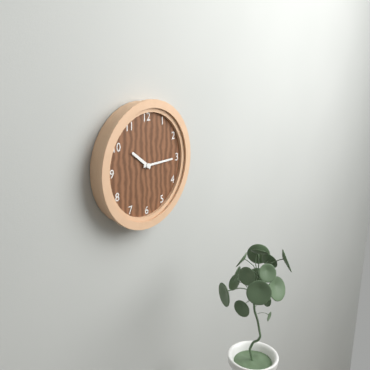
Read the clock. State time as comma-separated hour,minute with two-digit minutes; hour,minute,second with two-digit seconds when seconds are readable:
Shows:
10,15
